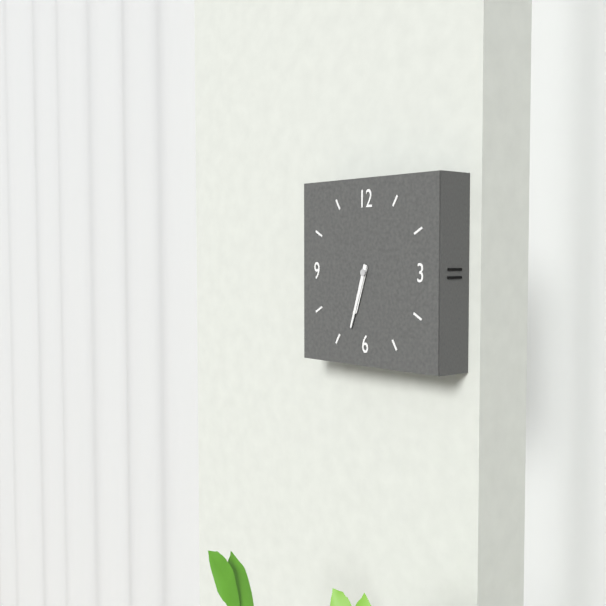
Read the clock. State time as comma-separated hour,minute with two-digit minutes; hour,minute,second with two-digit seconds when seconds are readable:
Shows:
6,33
